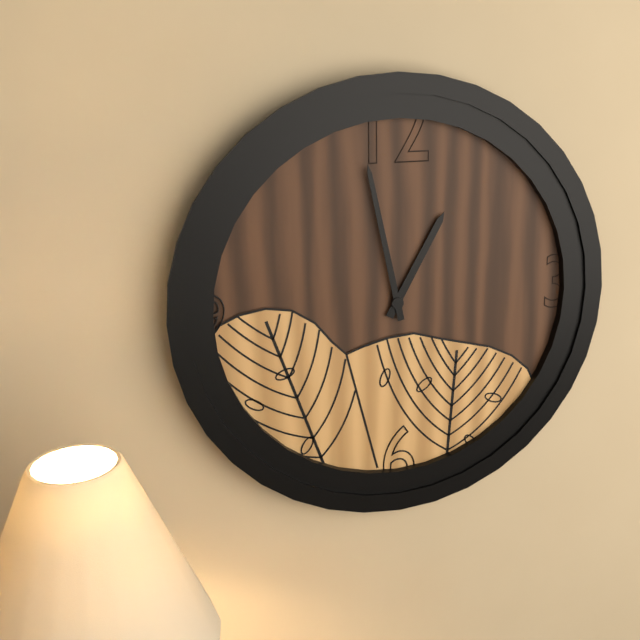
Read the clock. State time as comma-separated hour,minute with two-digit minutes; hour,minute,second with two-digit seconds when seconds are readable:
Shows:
12,58
